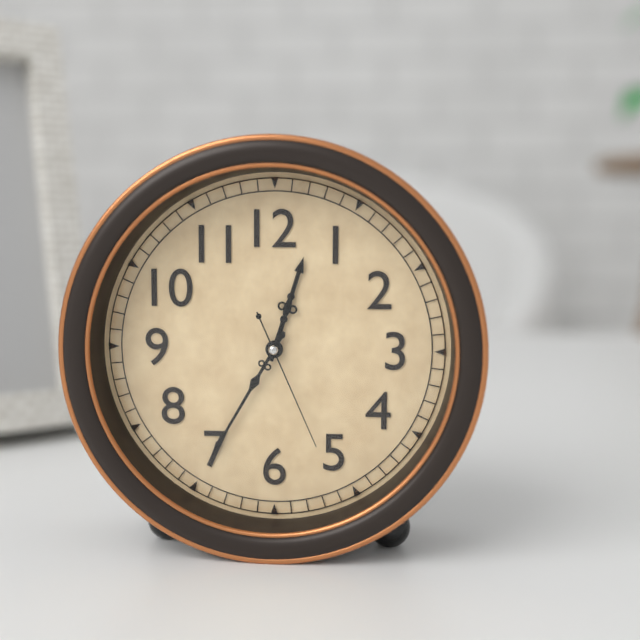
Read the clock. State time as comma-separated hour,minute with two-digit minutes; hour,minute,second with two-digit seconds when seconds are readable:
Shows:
12,35,26
